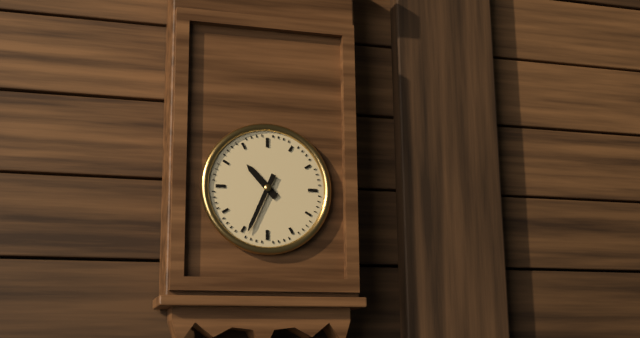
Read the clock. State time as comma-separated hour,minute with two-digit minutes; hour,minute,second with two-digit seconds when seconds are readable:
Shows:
10,34
